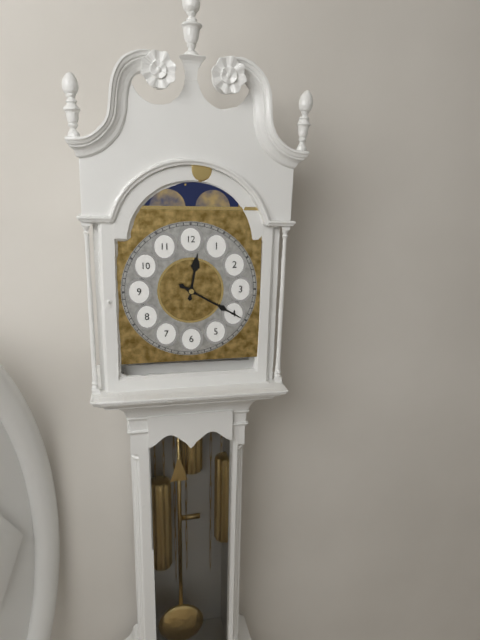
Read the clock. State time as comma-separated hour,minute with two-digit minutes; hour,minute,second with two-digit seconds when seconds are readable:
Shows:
12,20
